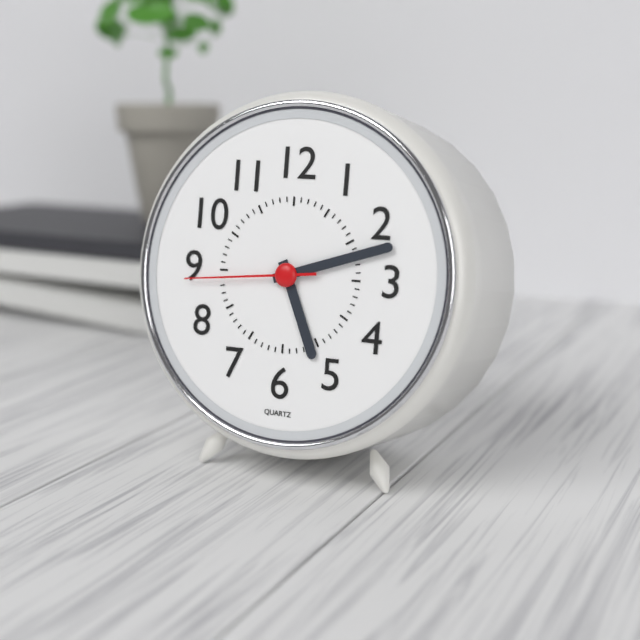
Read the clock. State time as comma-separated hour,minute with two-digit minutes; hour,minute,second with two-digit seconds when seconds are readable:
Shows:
5,12,44
